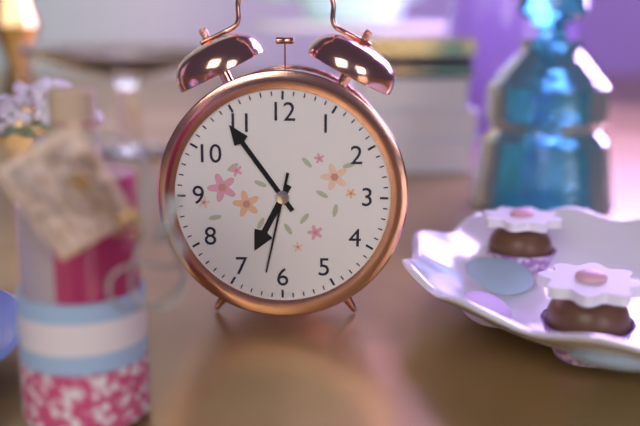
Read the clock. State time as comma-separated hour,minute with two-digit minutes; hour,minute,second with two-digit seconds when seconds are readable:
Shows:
6,54,32
